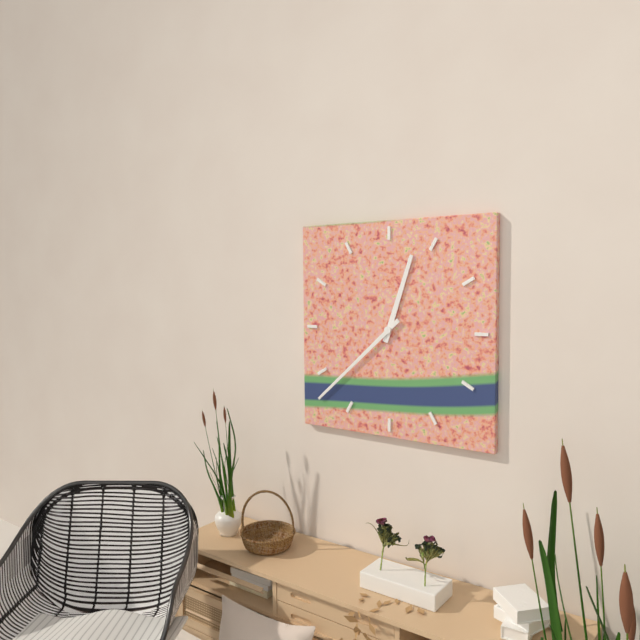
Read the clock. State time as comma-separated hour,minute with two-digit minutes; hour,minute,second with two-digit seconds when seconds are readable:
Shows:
12,38
